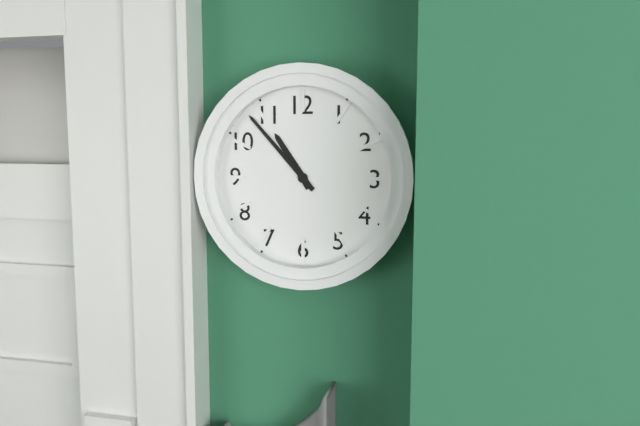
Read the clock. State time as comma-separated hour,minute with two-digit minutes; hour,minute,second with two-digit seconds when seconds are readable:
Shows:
10,53
